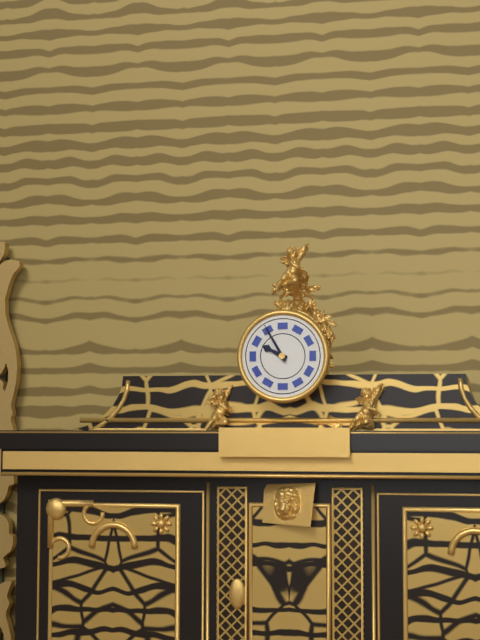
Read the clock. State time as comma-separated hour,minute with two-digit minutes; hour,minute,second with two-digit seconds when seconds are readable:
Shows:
9,55
